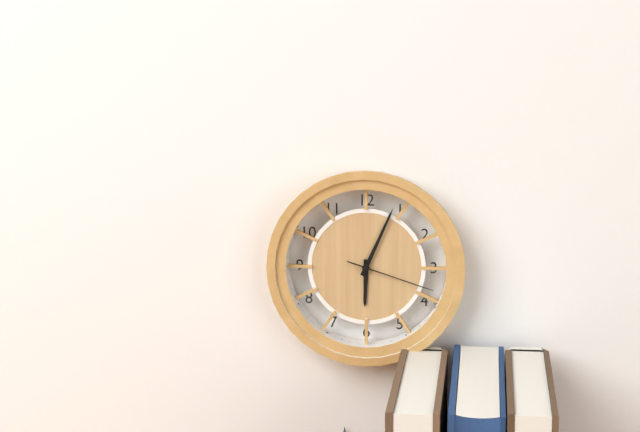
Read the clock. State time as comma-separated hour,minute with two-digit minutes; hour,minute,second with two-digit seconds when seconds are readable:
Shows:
6,04,18
